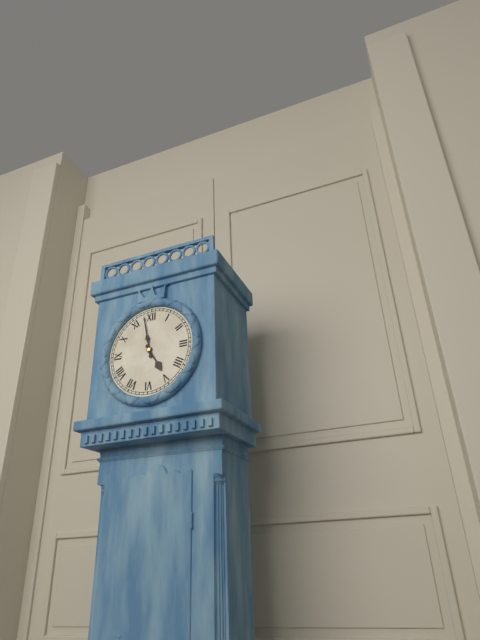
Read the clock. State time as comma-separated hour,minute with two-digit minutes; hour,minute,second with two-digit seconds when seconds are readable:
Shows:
4,58
